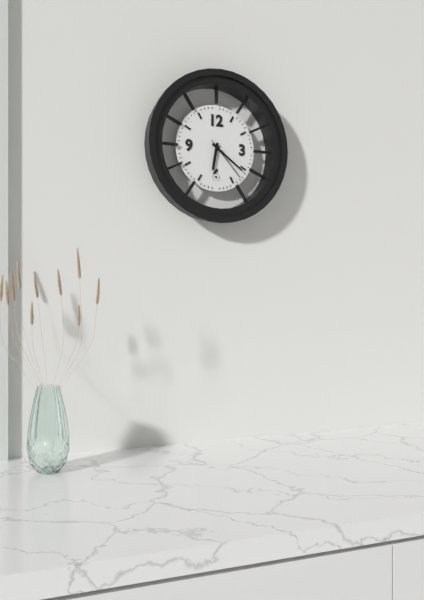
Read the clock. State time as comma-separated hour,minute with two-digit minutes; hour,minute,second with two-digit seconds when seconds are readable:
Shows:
6,21
